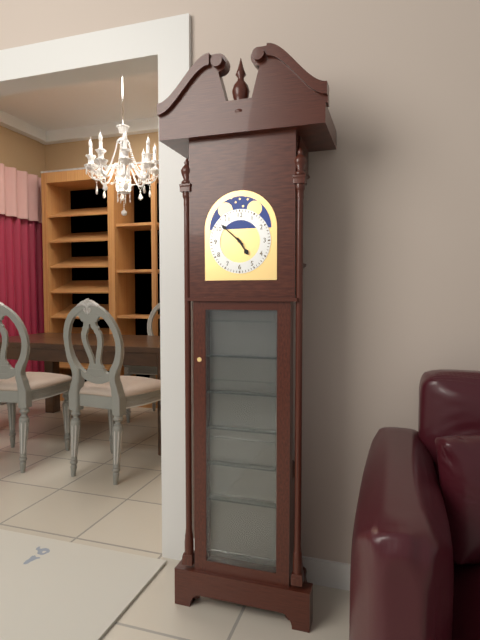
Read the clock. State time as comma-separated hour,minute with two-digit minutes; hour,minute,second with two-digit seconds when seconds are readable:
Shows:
4,52
